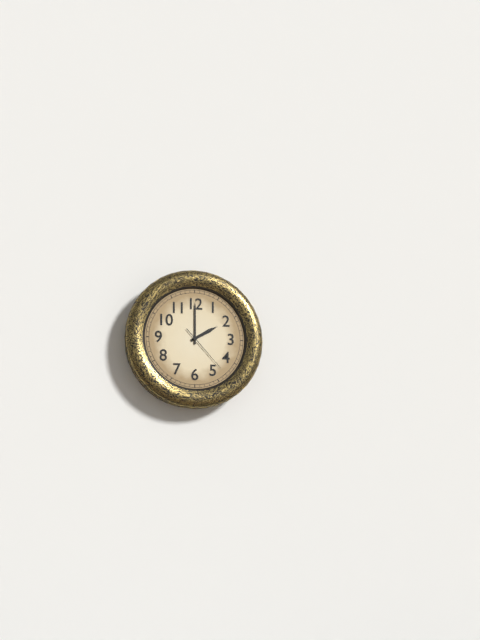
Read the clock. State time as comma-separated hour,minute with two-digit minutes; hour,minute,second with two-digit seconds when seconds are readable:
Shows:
2,00
